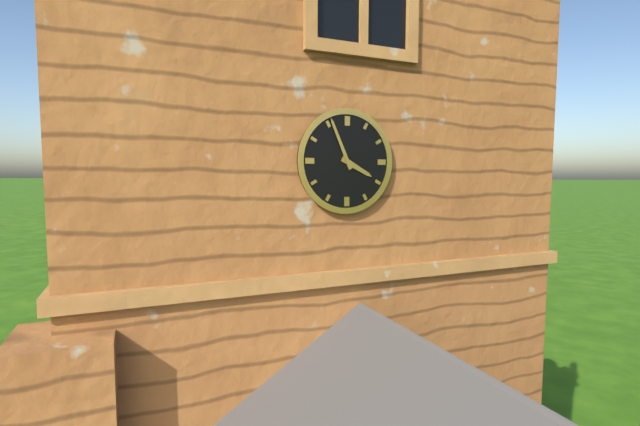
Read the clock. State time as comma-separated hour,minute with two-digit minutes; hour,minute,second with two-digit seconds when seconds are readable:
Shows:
3,56
